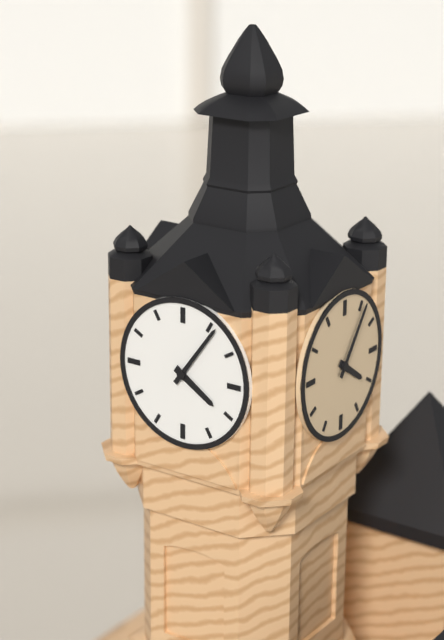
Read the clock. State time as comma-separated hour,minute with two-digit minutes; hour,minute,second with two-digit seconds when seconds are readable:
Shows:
4,06
